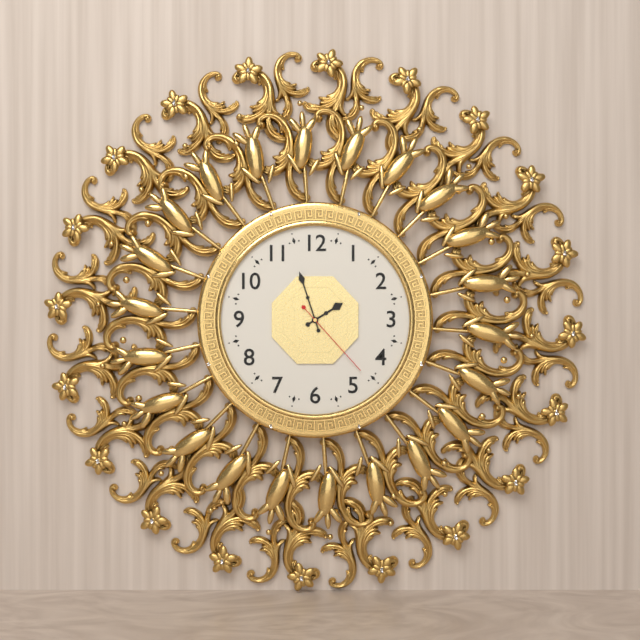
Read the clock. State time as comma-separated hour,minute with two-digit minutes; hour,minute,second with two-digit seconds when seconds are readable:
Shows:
1,57,23
